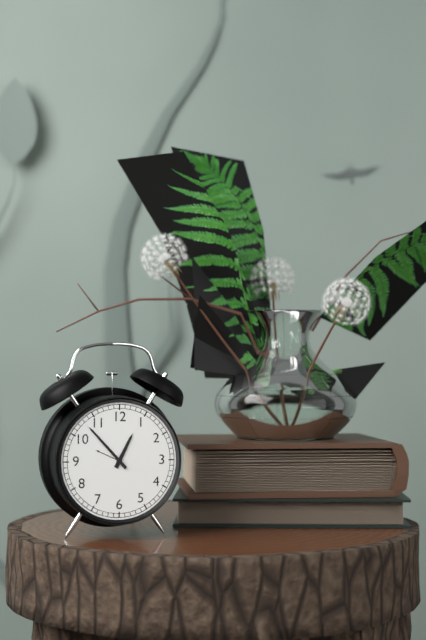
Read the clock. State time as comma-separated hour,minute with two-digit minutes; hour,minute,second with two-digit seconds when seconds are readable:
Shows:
12,53
